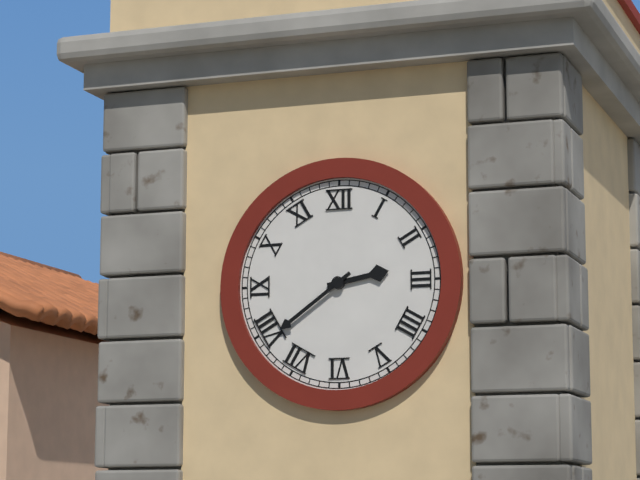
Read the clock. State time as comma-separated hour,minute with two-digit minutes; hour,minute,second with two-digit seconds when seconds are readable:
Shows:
2,39
